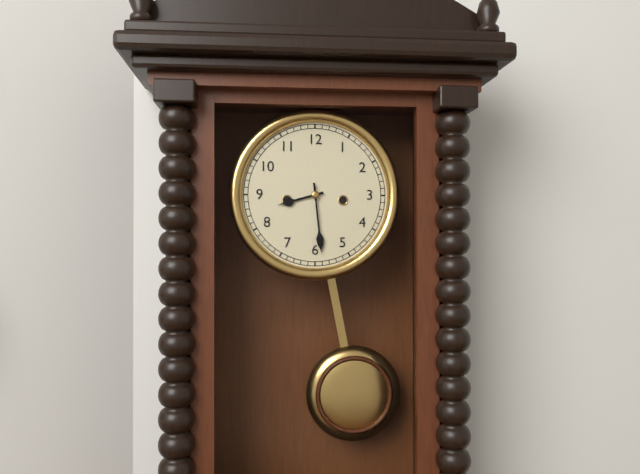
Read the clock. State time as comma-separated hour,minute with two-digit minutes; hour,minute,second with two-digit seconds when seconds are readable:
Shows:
8,29
